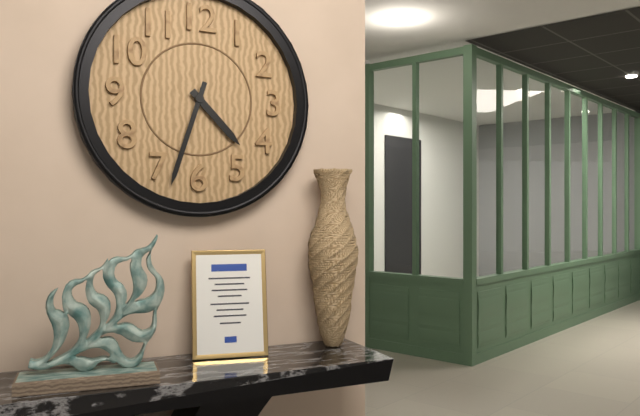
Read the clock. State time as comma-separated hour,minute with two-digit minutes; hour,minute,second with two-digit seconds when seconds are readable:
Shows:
4,33
